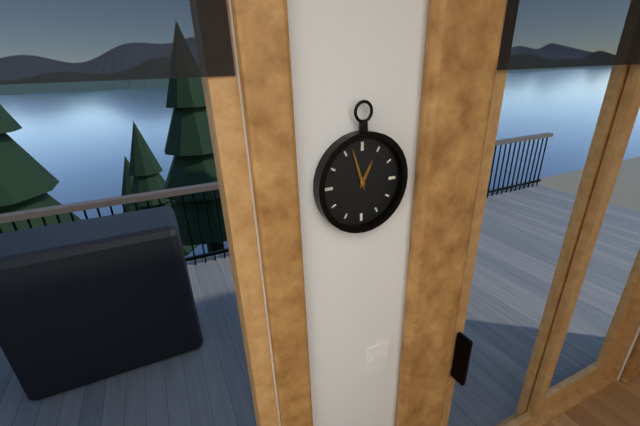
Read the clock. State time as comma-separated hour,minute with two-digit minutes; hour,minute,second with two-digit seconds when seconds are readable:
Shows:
12,57
